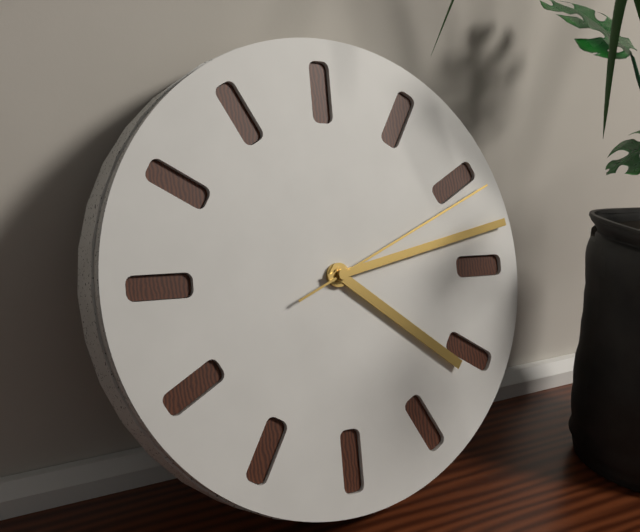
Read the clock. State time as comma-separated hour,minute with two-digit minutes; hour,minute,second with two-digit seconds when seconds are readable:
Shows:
4,13,11
